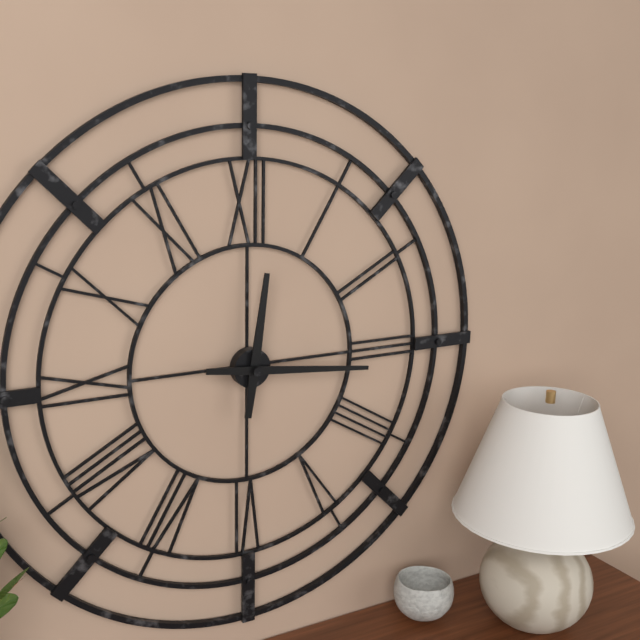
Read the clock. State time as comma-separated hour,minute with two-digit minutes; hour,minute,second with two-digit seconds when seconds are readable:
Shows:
12,16
